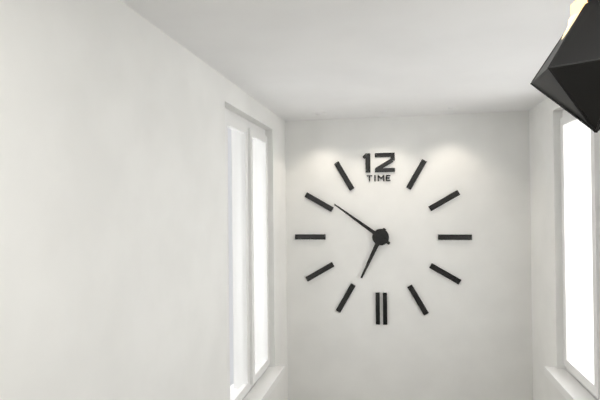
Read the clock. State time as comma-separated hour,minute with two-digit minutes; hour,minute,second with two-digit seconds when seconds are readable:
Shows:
6,51
